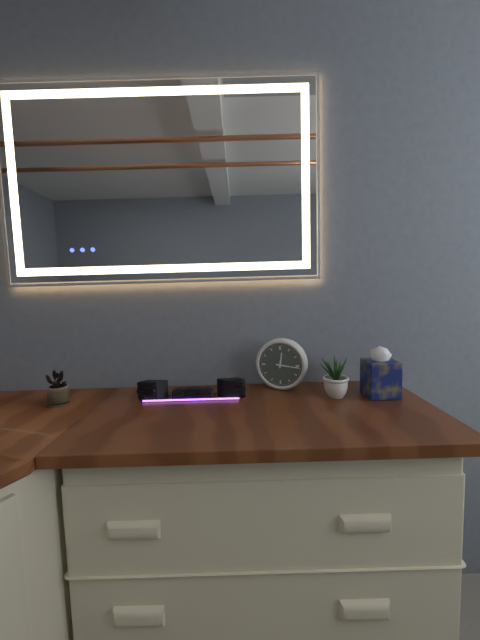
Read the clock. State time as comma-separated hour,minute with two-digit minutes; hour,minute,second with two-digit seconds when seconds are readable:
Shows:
12,16
